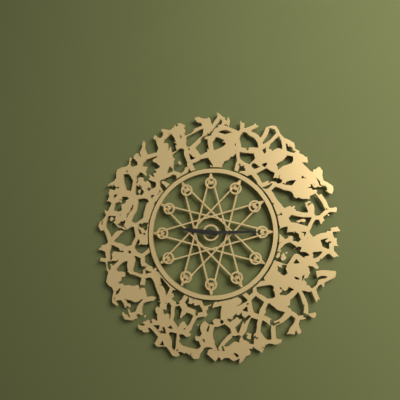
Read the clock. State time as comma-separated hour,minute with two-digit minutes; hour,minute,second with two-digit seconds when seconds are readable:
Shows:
9,15
